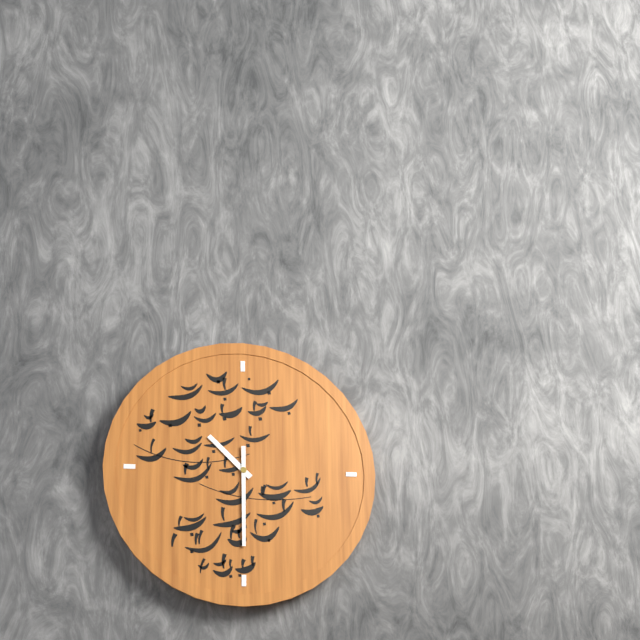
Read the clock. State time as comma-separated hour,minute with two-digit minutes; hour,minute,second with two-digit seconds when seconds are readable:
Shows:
10,30
